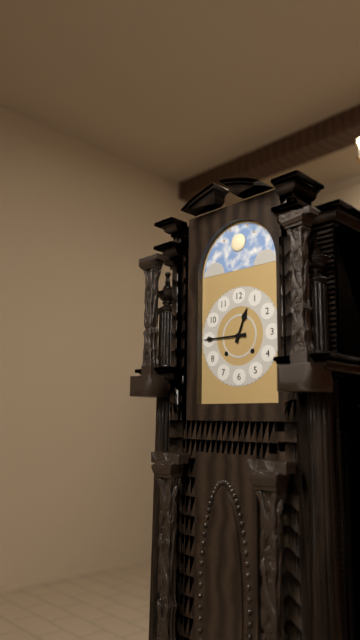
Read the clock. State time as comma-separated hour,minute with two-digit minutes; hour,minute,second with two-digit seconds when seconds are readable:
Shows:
12,45
